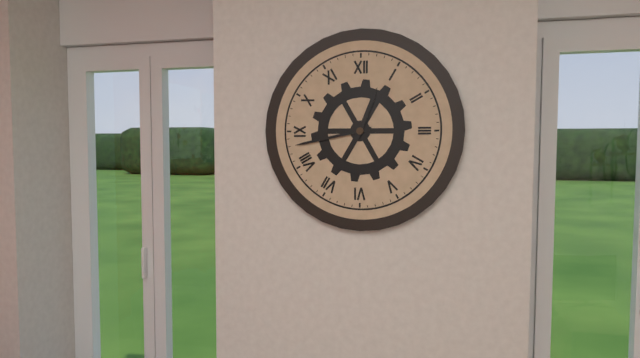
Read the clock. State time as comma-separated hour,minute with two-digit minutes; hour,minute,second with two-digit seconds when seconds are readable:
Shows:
12,43
